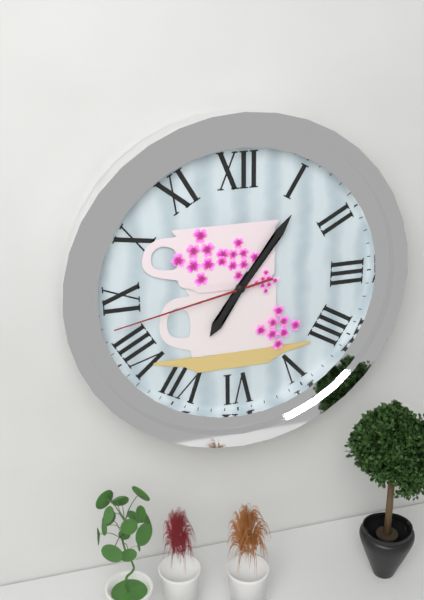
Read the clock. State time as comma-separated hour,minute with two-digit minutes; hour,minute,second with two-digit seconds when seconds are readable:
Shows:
7,06,43
